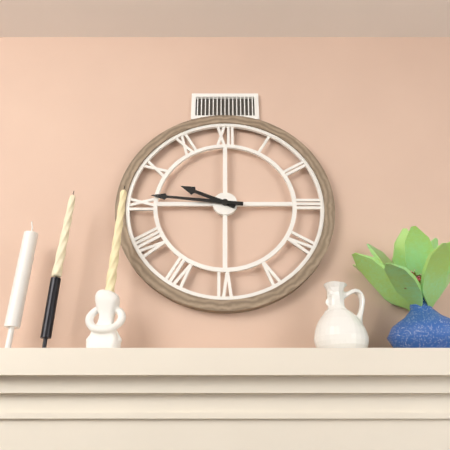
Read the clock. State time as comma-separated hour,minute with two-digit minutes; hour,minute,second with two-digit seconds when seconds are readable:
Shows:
9,46
